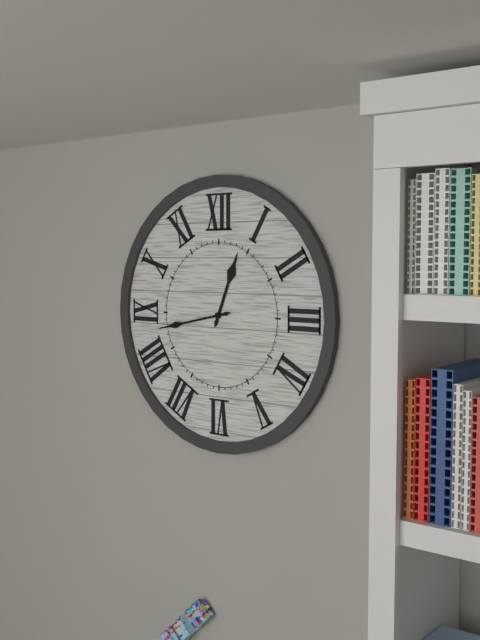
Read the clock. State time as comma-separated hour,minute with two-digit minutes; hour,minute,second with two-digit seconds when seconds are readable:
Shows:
12,43
